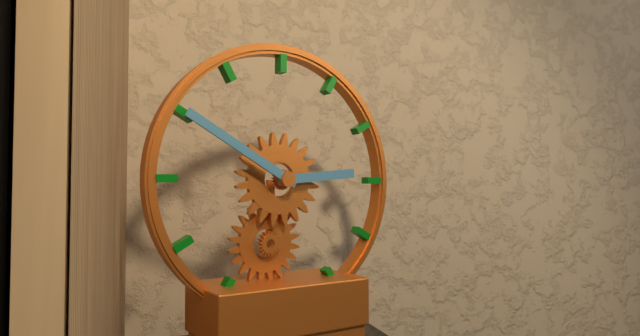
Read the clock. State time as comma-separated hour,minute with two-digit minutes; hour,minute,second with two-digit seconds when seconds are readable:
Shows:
2,50
